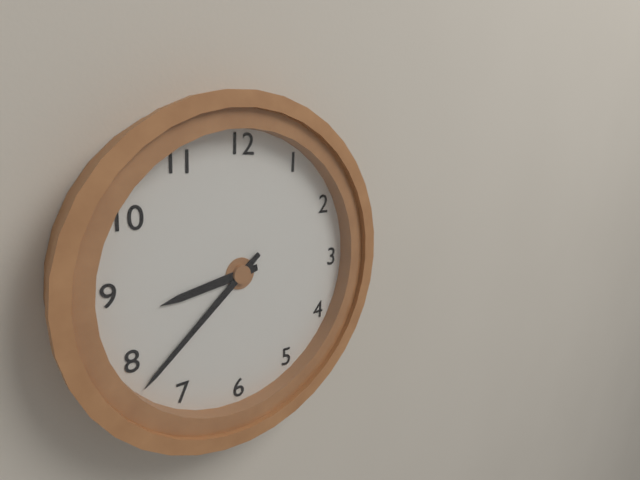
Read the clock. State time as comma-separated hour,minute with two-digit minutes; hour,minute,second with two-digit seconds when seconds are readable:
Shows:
8,38
